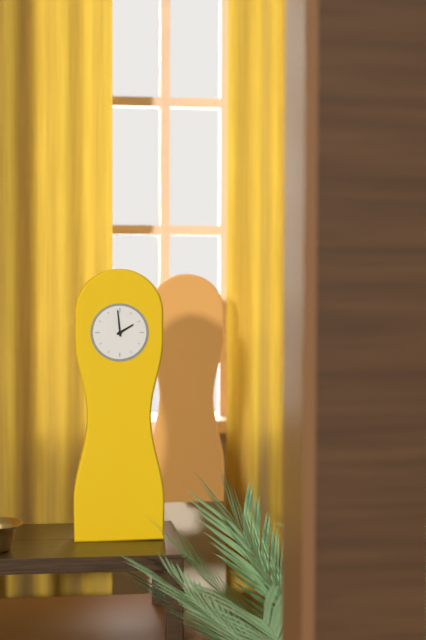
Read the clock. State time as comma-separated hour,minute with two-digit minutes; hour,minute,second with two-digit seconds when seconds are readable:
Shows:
1,59
